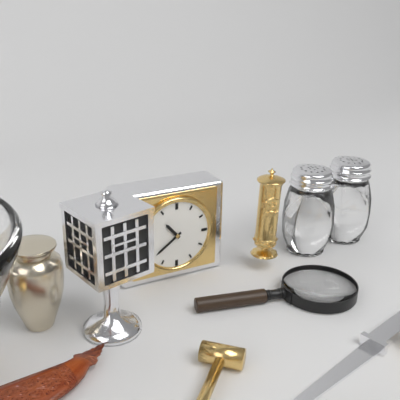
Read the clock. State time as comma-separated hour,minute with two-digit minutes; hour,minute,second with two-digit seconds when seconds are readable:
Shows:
10,39
